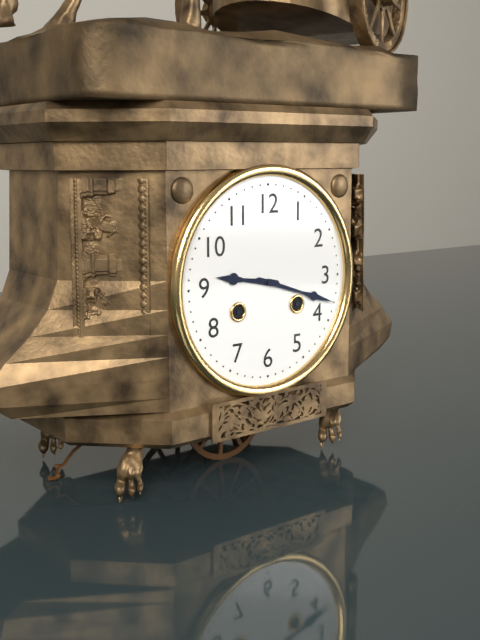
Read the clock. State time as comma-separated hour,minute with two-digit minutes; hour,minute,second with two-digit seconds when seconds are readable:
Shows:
9,18
